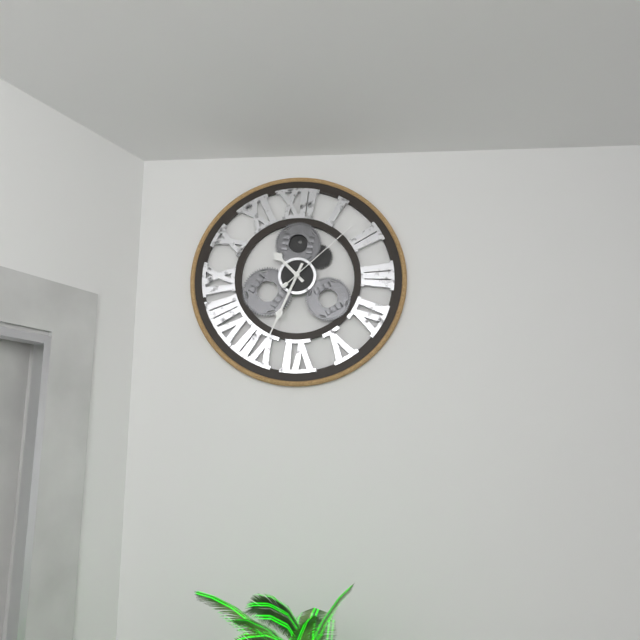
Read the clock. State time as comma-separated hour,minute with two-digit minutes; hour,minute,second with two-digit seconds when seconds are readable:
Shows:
10,34,08
